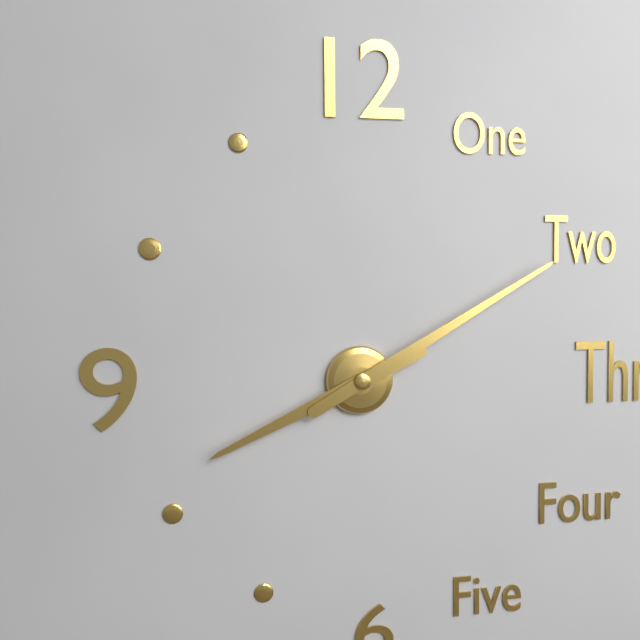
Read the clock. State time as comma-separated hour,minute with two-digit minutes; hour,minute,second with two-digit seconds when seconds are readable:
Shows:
8,10
